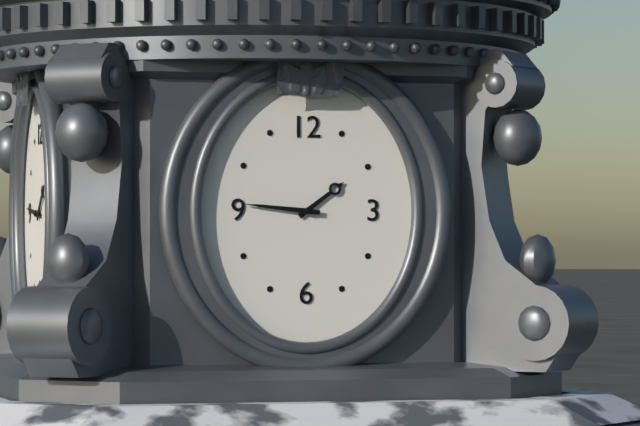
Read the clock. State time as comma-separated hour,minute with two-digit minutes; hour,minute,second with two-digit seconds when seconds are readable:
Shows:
1,46
